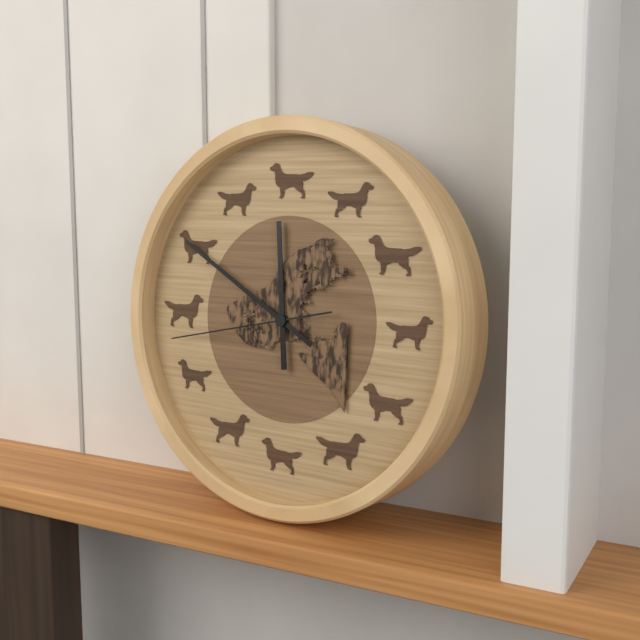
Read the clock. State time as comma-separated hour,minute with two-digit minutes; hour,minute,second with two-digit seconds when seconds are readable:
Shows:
11,50,43
